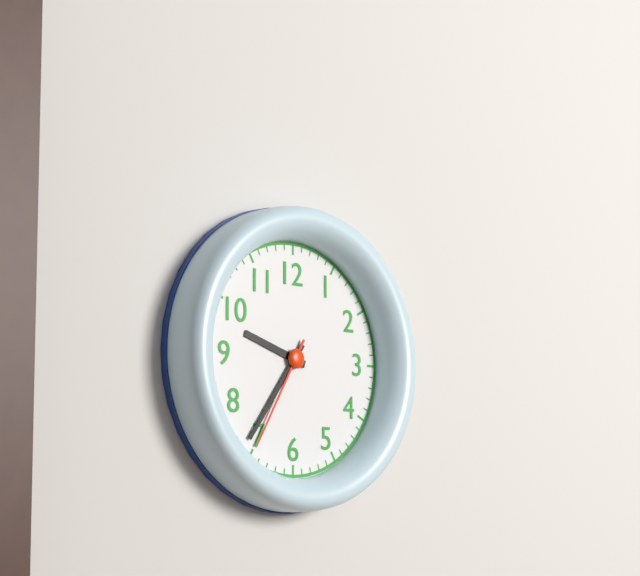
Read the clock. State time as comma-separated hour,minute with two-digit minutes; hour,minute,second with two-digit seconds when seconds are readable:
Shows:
9,36,35
